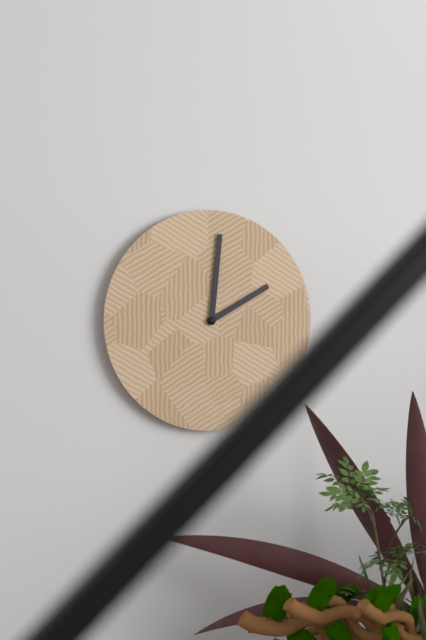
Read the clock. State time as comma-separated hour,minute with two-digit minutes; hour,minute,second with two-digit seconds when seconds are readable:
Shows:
2,01
